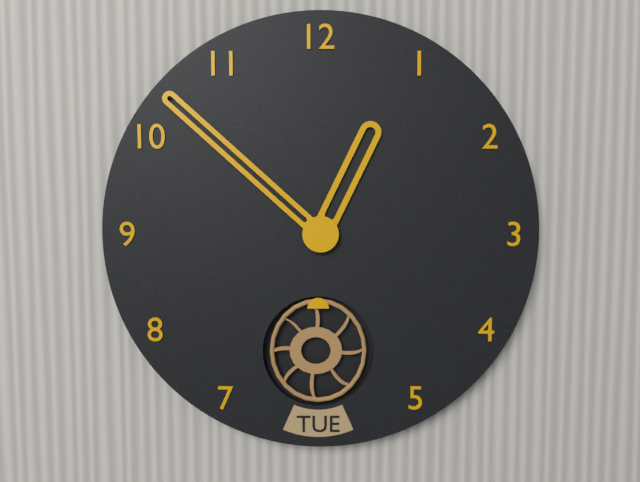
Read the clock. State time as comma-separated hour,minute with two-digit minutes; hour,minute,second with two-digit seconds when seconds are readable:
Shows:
12,52
